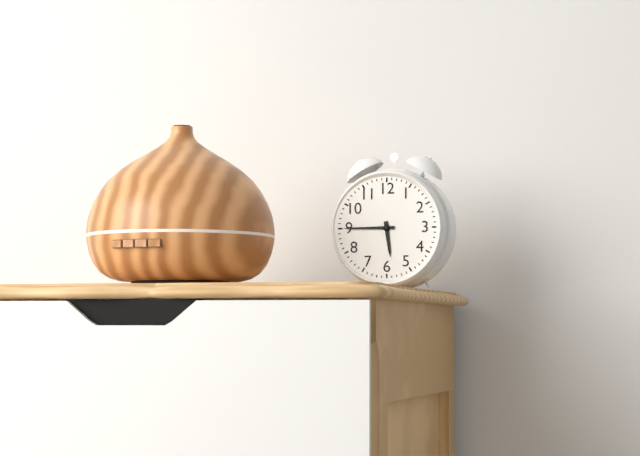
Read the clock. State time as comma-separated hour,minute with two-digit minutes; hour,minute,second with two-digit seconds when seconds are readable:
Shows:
5,45
